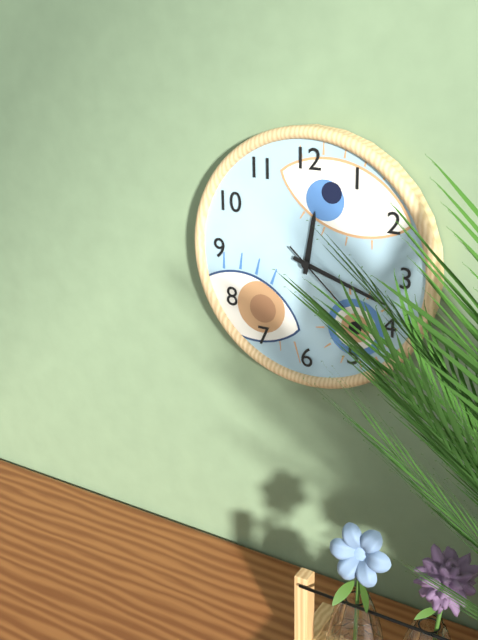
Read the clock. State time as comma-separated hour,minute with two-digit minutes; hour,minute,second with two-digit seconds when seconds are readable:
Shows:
12,18,22
